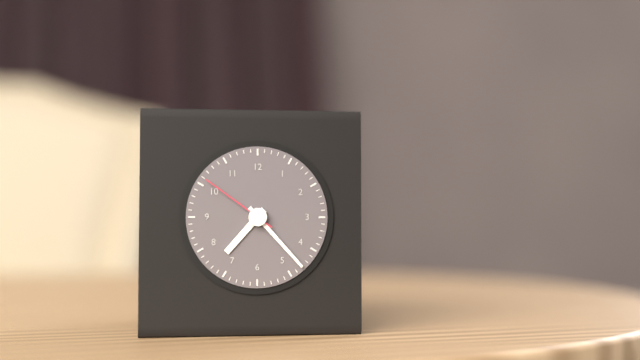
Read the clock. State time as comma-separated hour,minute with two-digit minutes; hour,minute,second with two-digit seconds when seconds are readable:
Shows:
7,23,51
